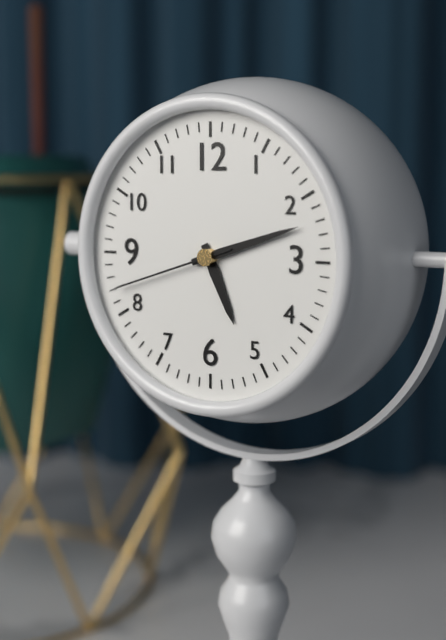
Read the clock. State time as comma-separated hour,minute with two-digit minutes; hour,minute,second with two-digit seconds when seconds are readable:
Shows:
5,12,42
